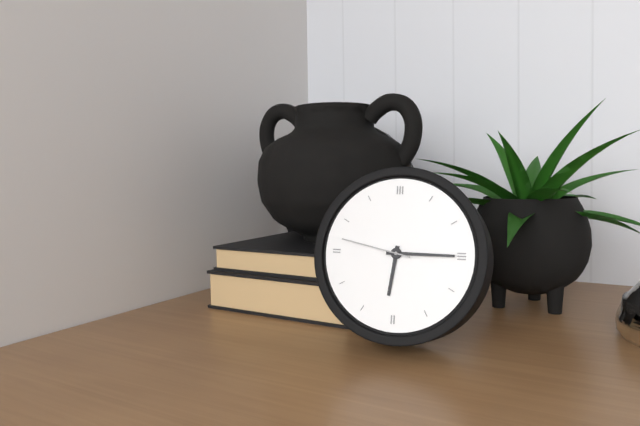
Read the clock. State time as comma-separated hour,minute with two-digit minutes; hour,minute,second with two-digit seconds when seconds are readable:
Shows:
6,15,47
